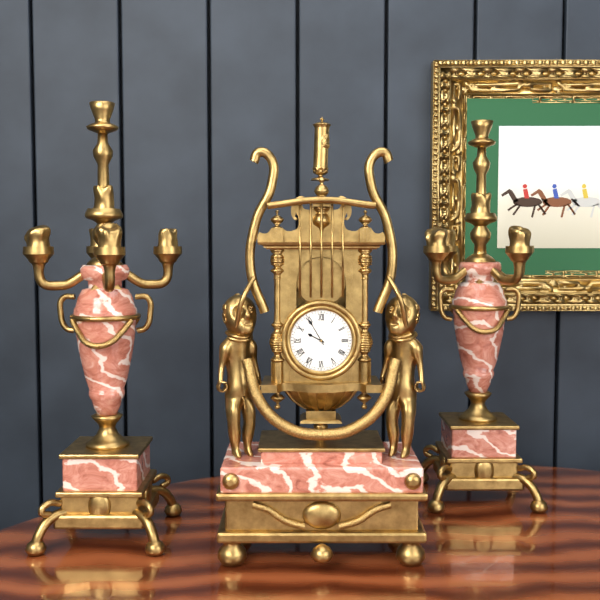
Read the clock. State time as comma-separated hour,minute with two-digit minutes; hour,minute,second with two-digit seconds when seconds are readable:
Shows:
9,55
